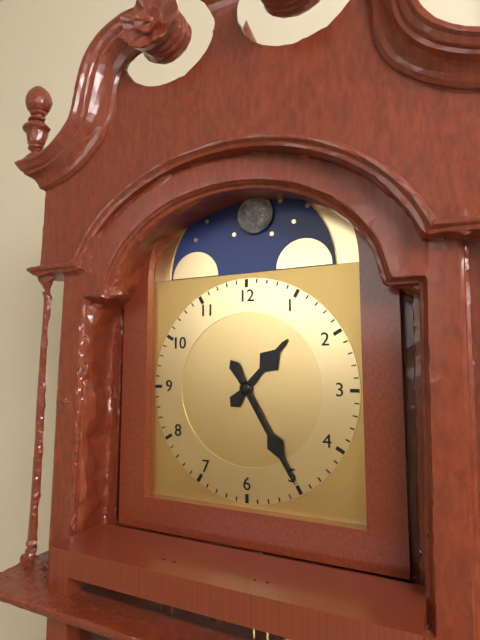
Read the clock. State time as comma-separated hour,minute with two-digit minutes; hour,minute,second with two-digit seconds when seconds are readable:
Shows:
1,25
